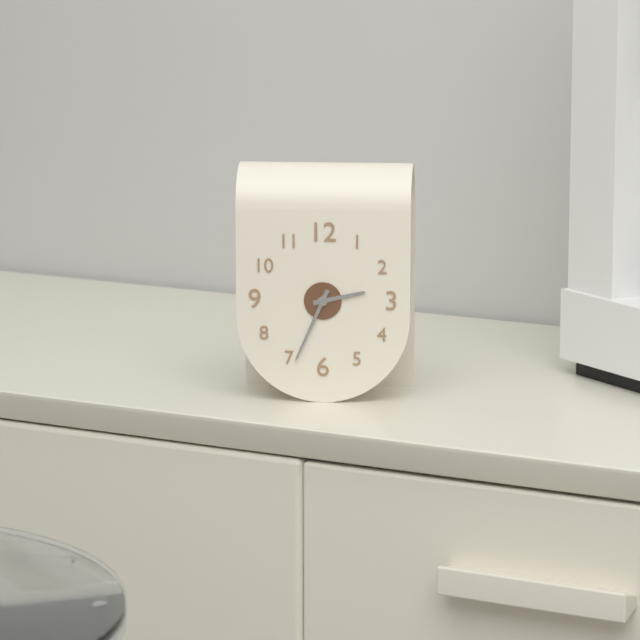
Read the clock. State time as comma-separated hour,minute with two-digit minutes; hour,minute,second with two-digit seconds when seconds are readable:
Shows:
2,34
